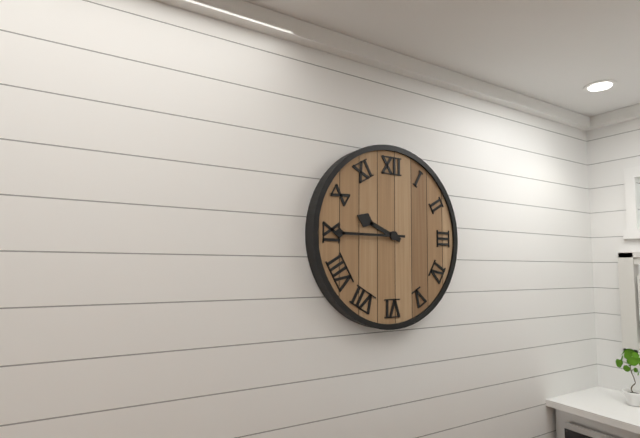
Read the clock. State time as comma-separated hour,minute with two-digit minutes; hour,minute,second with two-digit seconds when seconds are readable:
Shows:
9,45
